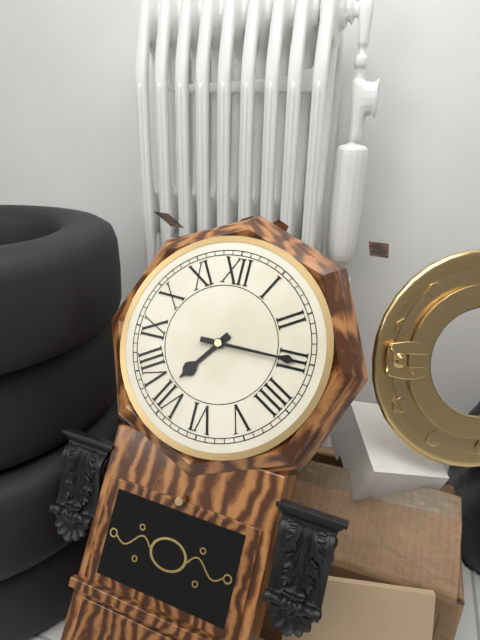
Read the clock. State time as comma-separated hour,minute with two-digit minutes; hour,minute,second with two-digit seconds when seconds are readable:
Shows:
7,15
